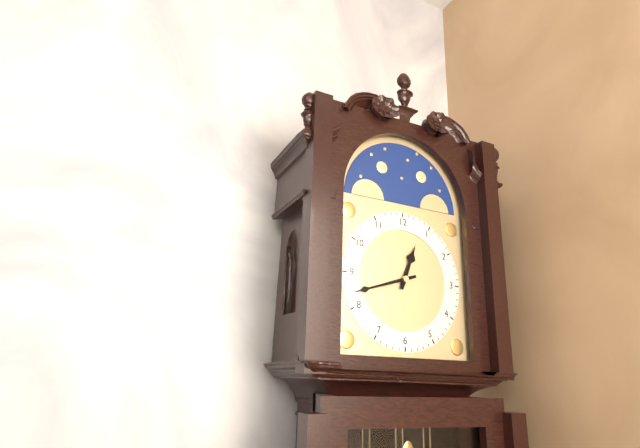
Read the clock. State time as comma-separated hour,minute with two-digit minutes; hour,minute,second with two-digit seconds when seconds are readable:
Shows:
12,42
